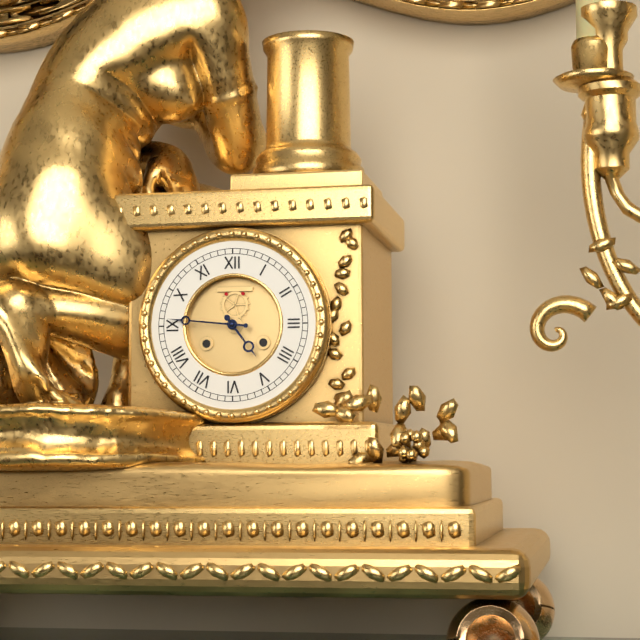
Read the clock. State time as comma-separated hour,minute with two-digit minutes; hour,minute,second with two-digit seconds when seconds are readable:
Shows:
4,46
